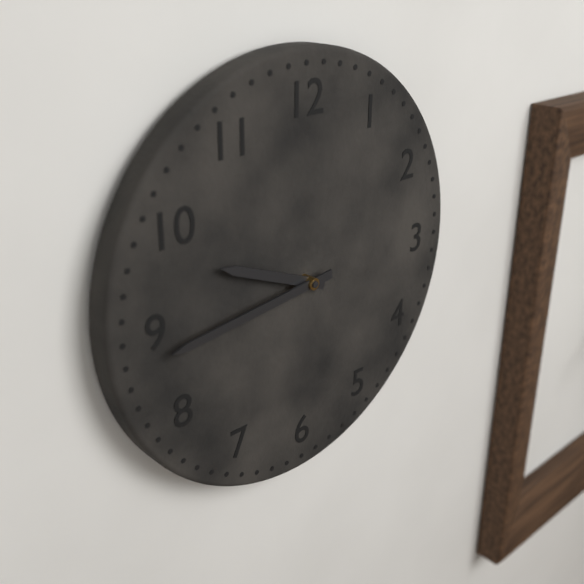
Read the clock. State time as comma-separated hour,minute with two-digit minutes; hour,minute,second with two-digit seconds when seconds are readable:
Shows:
9,44
